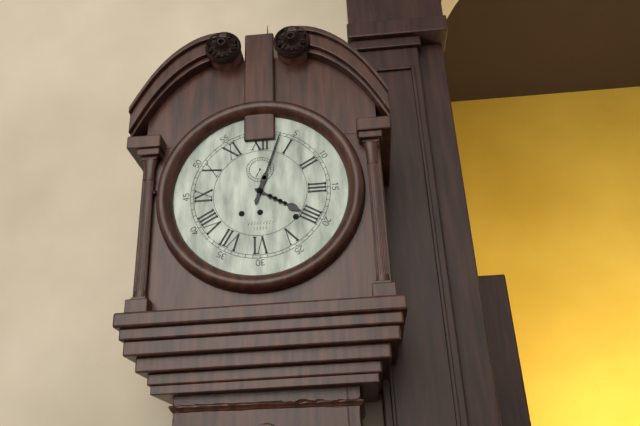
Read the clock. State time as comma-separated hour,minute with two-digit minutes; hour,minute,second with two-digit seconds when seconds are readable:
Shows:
4,03
